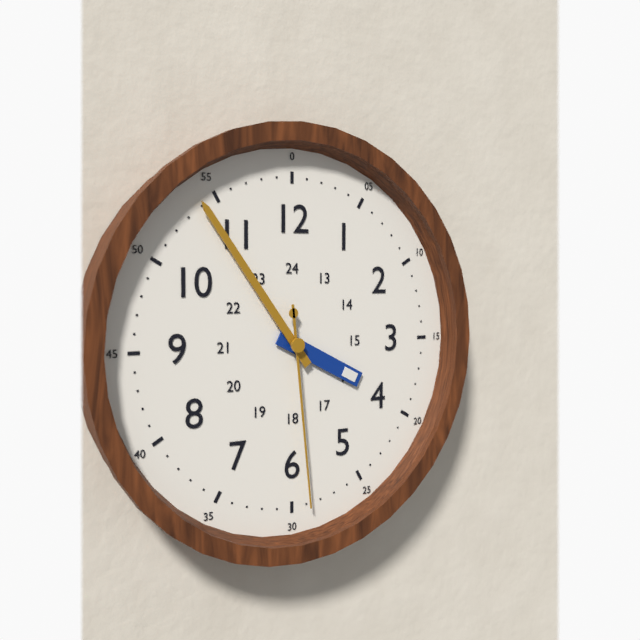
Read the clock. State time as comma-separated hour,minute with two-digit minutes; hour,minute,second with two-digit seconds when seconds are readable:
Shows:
3,54,29
